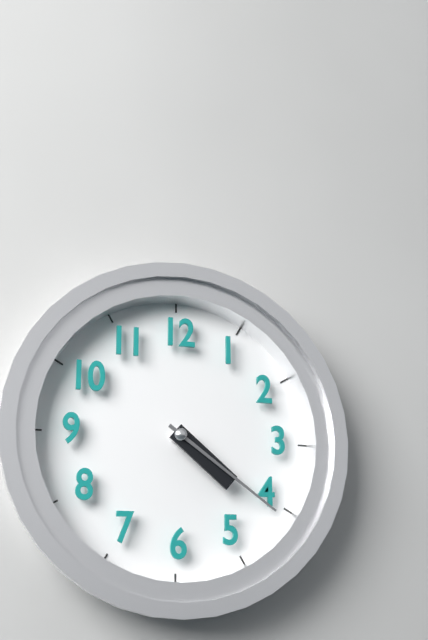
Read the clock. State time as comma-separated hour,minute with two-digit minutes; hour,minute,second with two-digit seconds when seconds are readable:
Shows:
4,21
